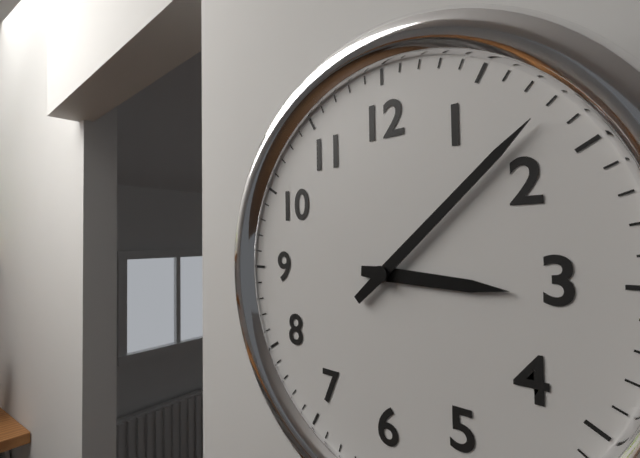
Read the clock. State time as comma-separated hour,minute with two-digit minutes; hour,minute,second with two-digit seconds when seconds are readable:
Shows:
3,08
